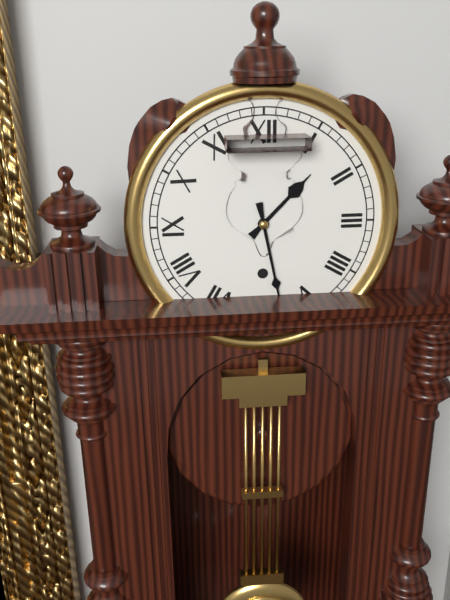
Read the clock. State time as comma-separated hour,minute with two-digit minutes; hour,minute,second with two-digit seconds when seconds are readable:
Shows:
1,28
